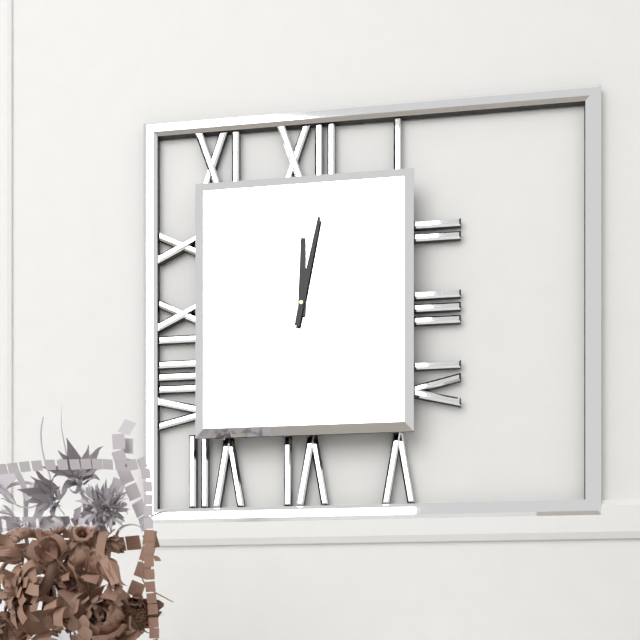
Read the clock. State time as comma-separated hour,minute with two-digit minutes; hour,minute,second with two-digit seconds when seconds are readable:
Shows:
12,02
